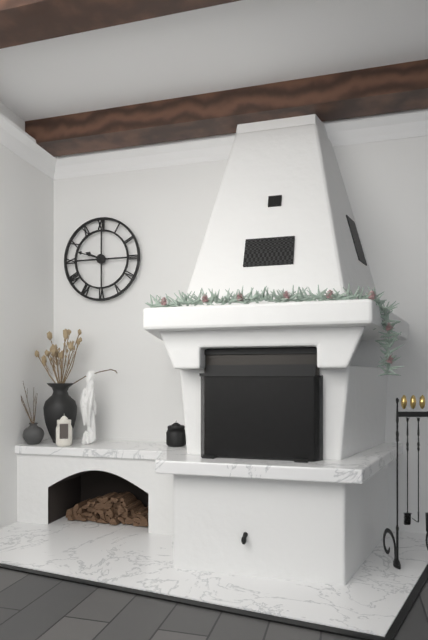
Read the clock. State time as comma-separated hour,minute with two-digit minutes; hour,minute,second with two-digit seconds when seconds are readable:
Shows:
9,48
